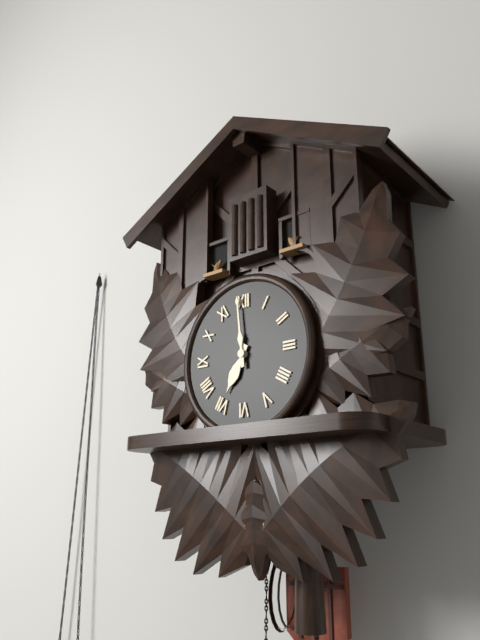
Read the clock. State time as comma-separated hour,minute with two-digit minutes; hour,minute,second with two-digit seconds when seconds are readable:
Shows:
6,59
